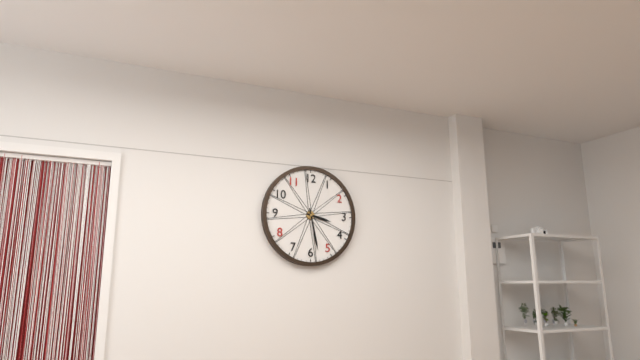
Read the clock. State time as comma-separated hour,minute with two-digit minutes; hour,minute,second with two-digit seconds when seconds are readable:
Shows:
3,28
